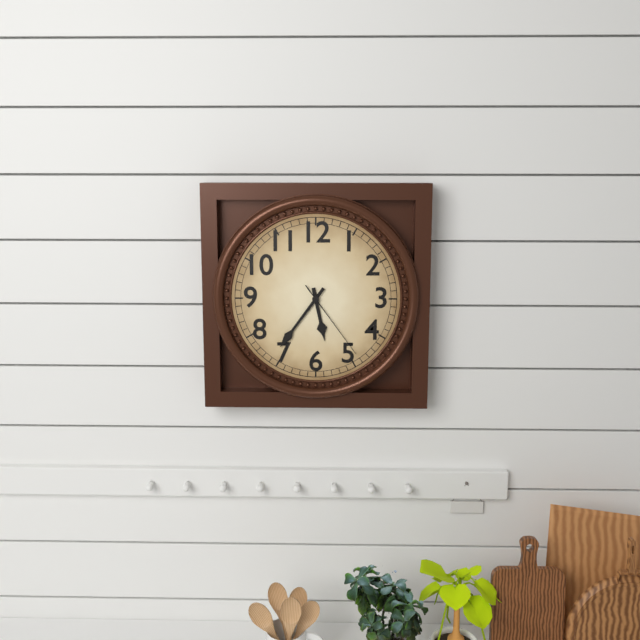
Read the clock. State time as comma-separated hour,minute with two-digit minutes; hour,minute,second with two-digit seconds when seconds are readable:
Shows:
5,36,24
